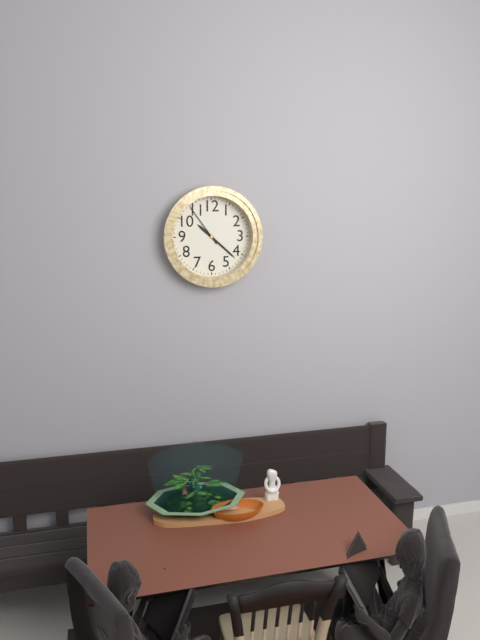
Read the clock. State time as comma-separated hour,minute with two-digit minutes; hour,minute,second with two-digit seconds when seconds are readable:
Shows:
10,22
